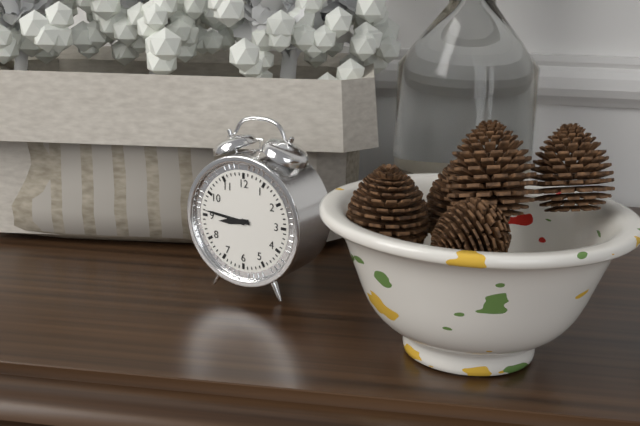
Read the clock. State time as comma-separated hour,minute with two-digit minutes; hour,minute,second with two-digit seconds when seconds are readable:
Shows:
8,46
